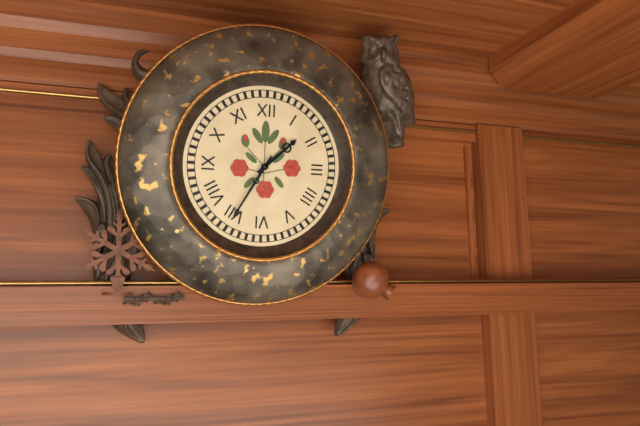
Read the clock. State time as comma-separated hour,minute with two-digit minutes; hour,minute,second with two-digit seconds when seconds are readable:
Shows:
1,35
